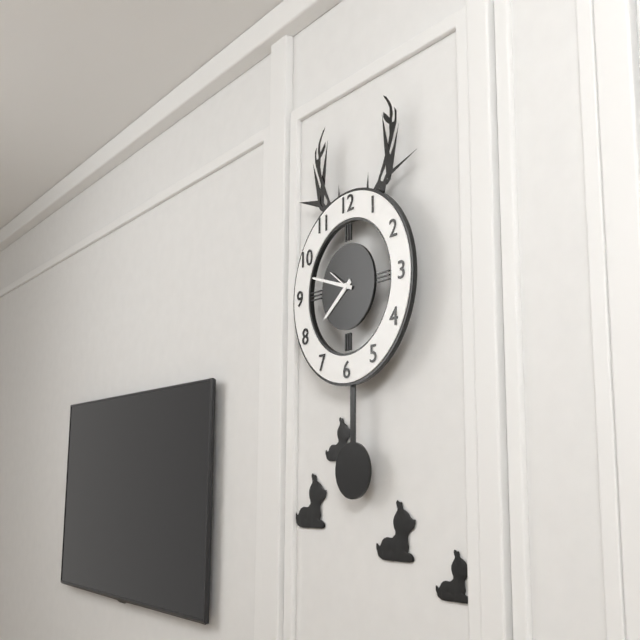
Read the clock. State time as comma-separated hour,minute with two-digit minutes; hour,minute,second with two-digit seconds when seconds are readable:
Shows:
7,48
